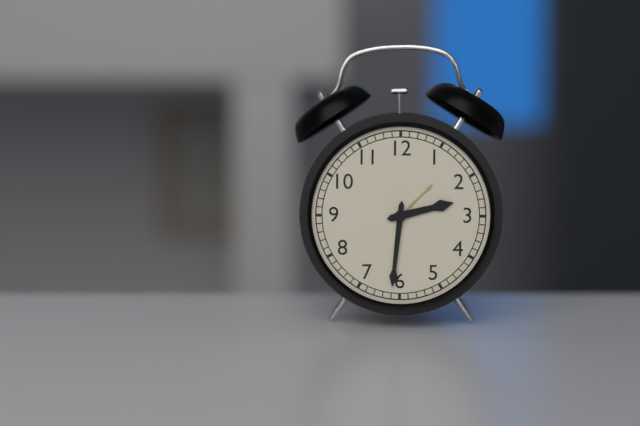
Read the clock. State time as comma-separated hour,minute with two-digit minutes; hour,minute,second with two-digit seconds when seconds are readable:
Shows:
2,31
